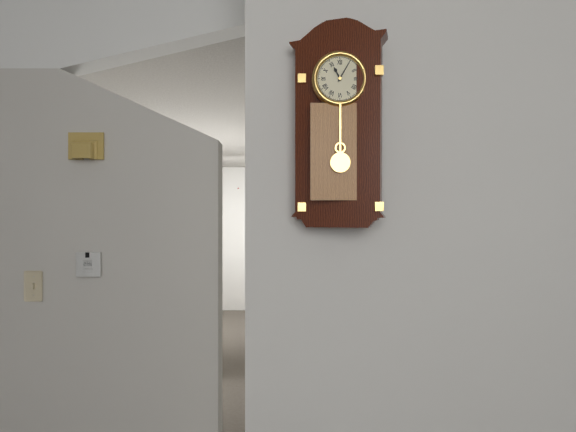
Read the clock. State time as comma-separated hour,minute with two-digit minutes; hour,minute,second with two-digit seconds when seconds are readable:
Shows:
11,05
